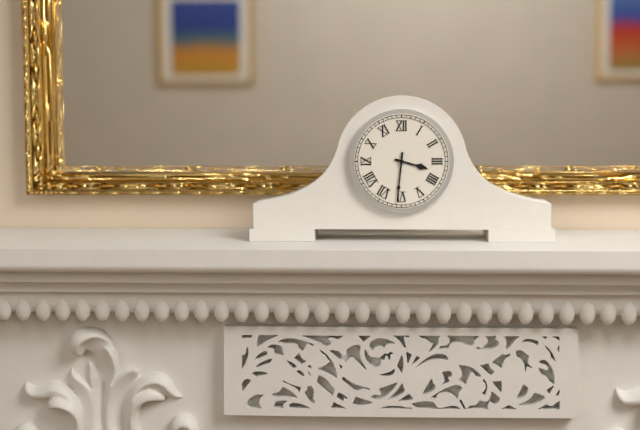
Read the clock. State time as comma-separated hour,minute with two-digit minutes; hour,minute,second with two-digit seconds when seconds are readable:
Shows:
3,31
